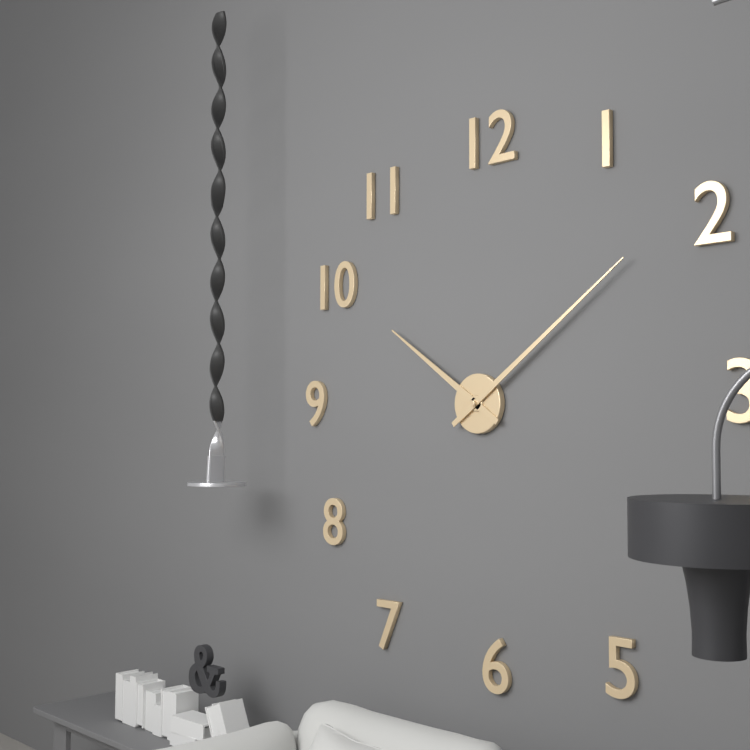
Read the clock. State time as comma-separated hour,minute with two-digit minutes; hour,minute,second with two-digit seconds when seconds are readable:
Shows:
10,09
